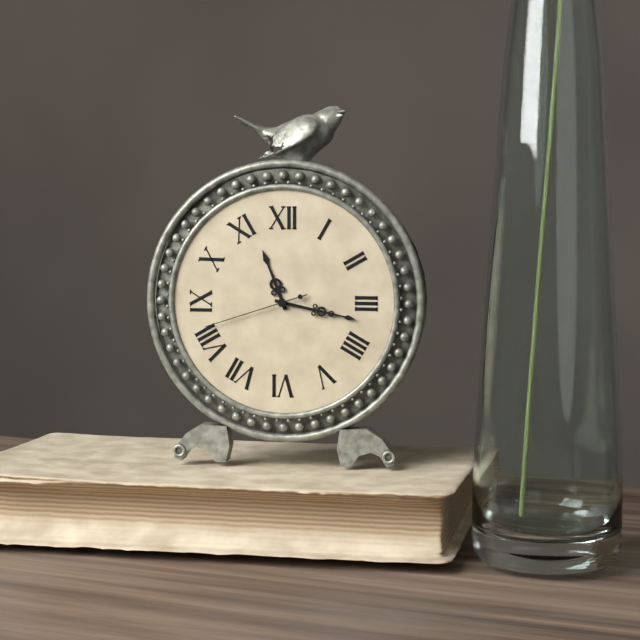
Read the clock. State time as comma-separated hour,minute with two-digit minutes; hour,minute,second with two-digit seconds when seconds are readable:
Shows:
11,17,42
